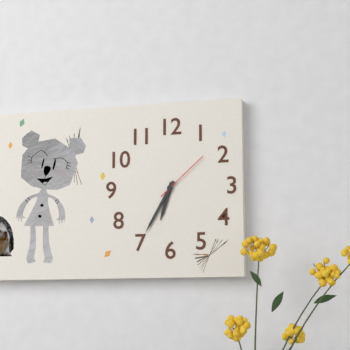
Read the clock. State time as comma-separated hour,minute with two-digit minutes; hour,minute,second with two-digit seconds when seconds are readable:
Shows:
6,35,08
